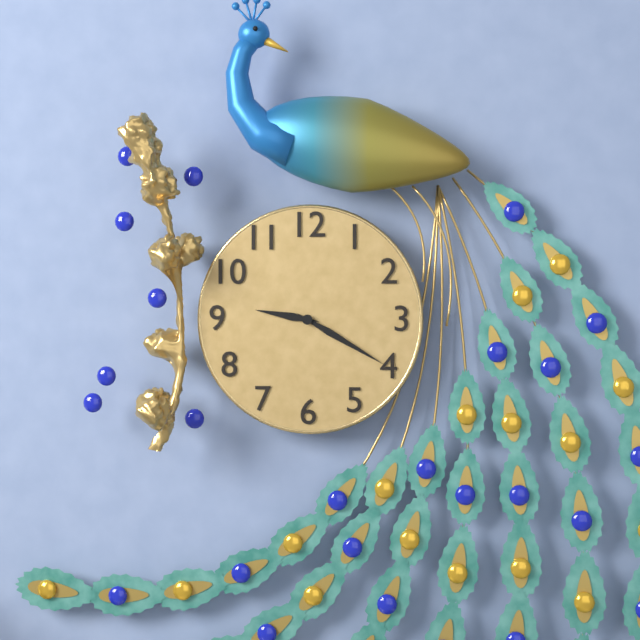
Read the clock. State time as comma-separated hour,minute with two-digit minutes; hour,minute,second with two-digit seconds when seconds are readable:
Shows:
9,20
